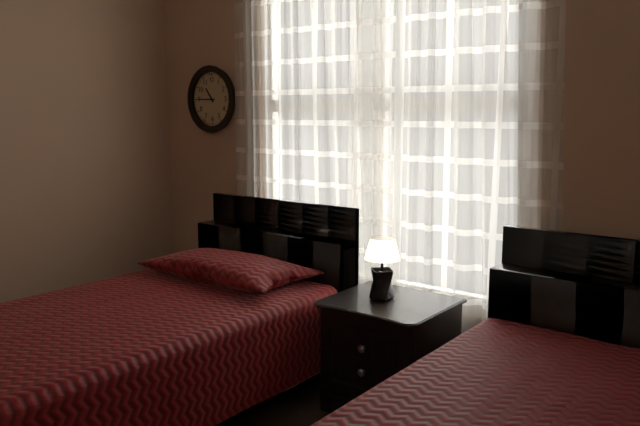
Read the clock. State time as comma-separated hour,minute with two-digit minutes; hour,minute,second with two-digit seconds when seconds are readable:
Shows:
10,45
